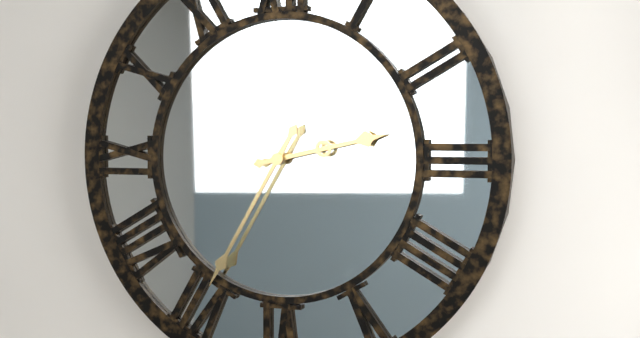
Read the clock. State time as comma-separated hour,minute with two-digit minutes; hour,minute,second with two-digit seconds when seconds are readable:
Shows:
2,35
